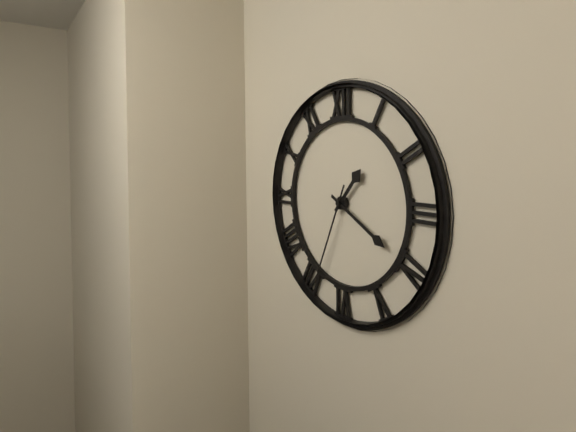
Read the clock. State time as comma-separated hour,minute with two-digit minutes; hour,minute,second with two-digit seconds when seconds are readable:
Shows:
1,20,34
